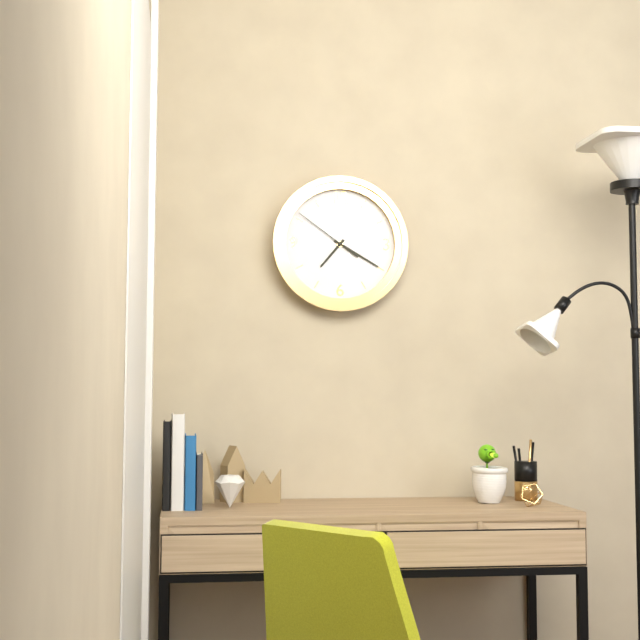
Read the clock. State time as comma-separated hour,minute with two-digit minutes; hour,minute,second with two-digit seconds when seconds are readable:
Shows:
7,20,51
